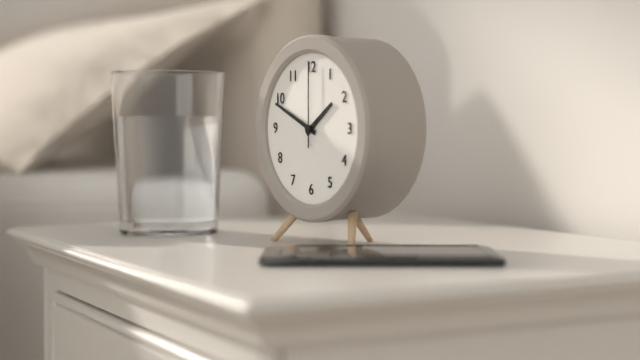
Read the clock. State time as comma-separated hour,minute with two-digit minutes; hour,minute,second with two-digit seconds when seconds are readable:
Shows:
1,49,00
